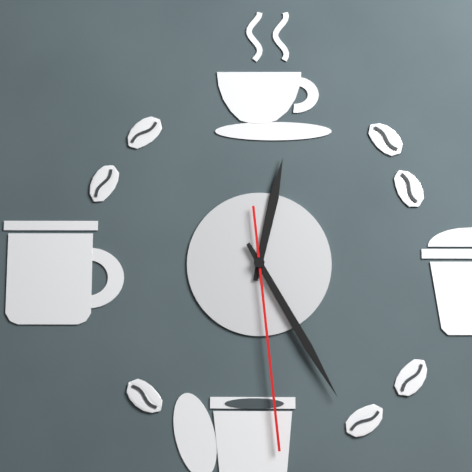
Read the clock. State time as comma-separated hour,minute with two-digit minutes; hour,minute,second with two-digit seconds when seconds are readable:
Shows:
12,25,29
